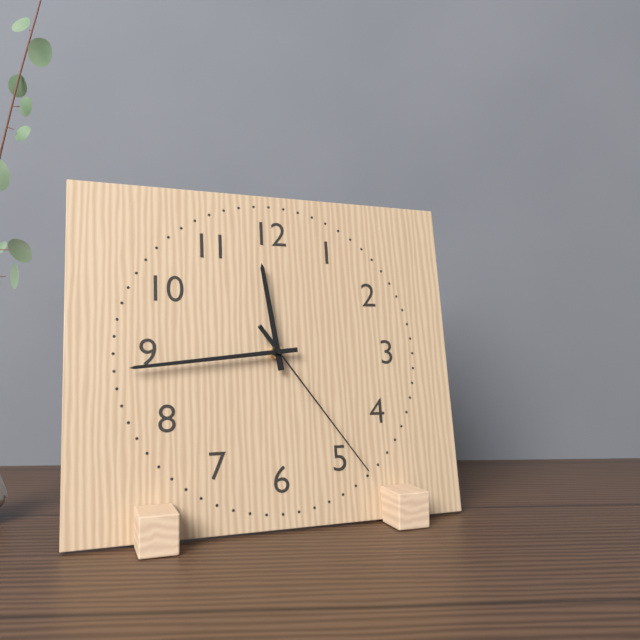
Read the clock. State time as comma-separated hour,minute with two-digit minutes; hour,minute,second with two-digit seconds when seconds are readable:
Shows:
11,44,24
